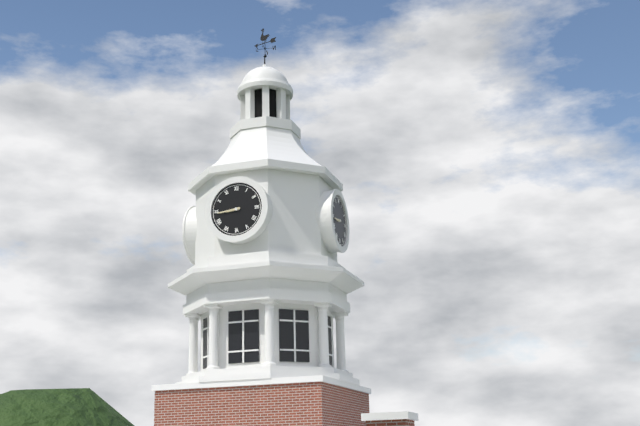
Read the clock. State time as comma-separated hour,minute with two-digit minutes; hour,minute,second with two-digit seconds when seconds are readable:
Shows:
8,44
